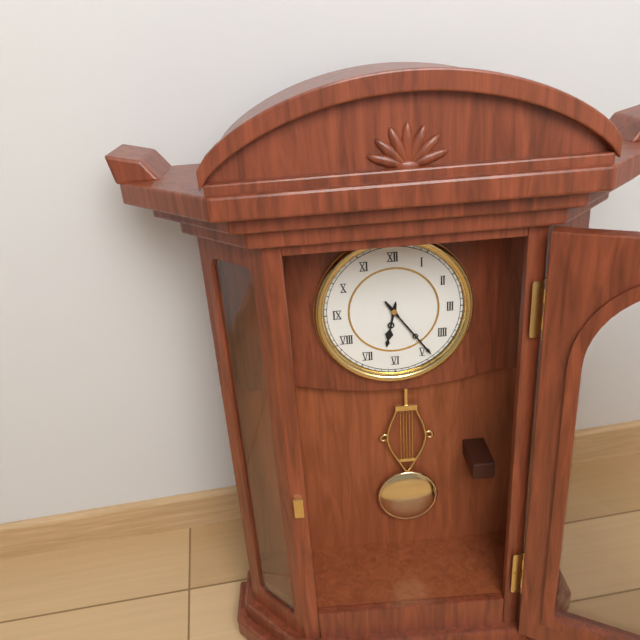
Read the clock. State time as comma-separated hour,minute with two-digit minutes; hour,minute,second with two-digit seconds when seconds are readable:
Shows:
6,24
